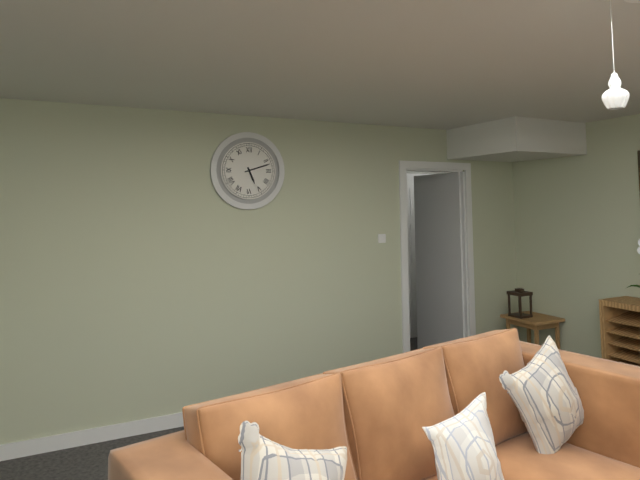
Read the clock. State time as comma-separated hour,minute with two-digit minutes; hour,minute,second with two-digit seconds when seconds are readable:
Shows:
5,12
